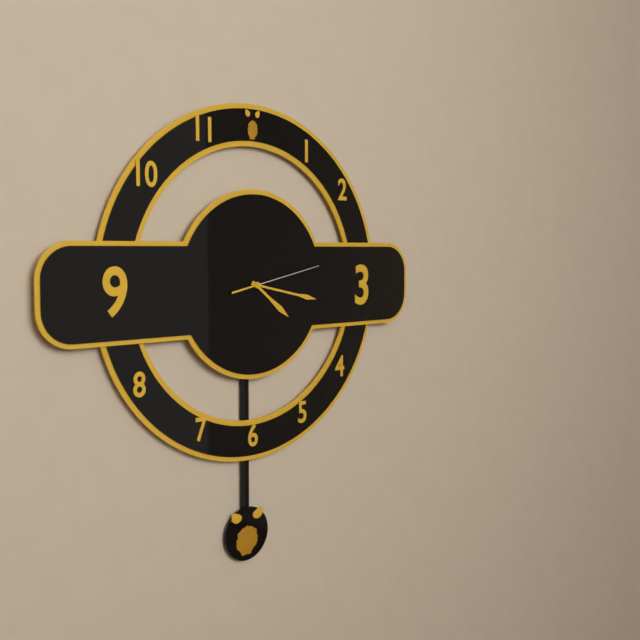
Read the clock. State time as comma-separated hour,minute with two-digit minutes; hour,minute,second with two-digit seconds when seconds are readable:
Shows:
4,17,13
